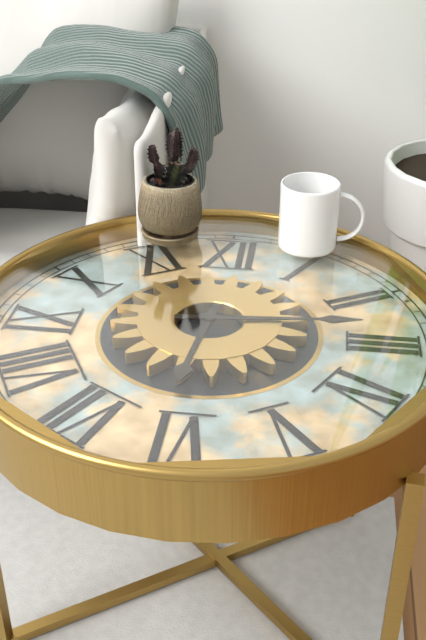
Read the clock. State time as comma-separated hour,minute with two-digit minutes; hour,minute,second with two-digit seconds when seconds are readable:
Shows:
6,14
